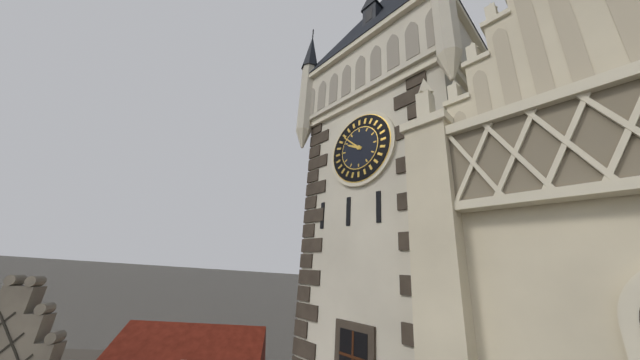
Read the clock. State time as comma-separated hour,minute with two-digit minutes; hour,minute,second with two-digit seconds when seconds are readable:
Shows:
9,52
